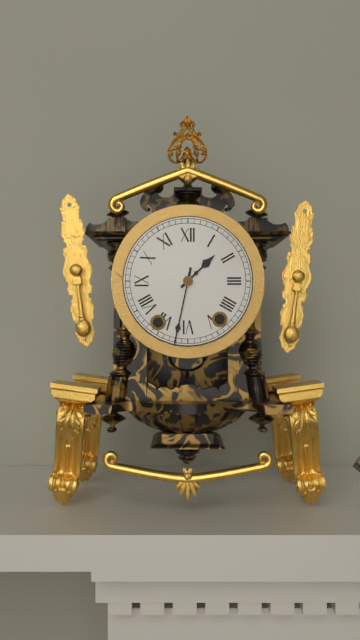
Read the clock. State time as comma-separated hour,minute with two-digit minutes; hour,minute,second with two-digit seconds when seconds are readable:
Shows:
1,32
